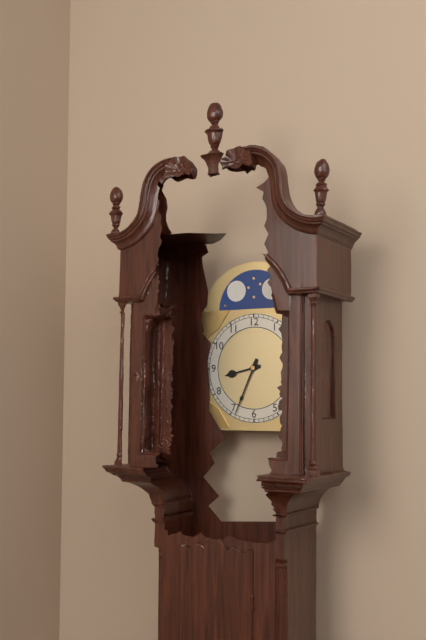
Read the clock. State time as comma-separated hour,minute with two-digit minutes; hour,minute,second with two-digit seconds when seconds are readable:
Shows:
8,34
